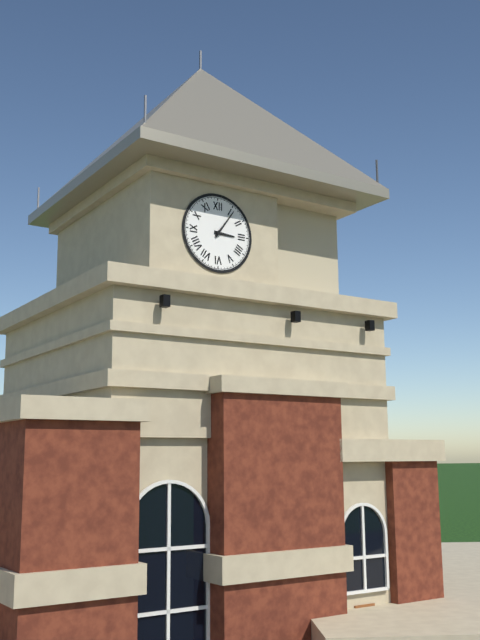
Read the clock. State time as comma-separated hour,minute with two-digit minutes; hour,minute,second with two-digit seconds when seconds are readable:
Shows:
3,06
